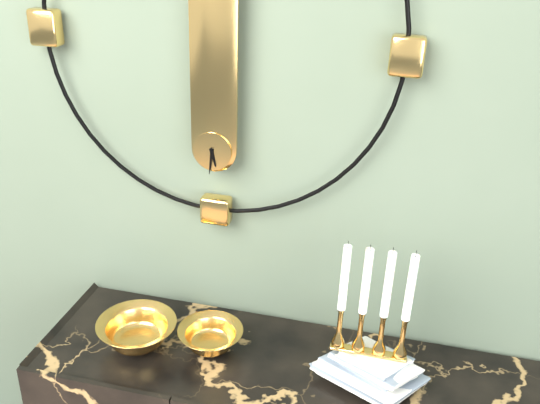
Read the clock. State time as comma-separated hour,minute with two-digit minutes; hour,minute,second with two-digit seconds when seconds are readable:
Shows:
5,31
